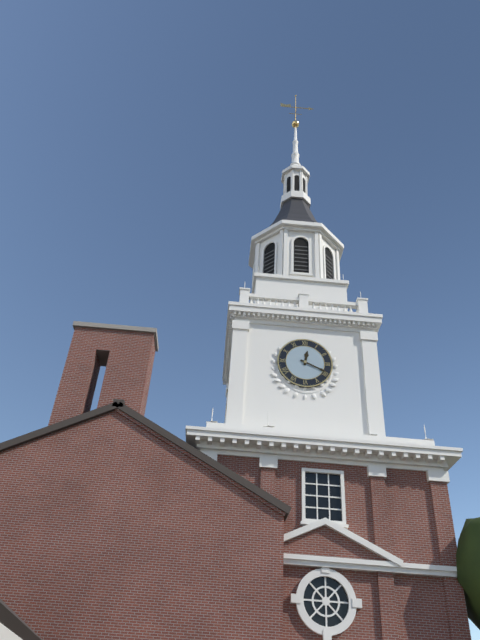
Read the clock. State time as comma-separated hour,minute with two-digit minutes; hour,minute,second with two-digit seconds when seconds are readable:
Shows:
12,19
